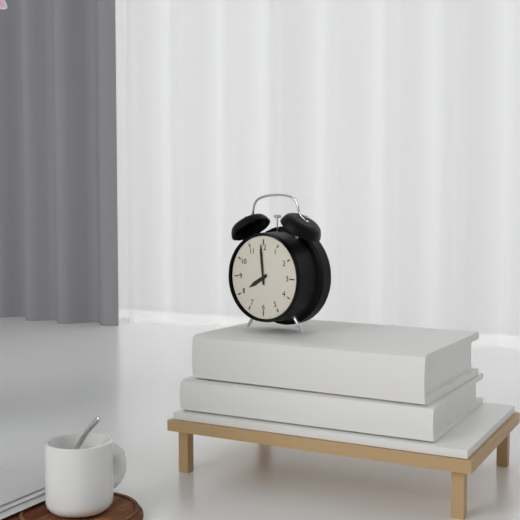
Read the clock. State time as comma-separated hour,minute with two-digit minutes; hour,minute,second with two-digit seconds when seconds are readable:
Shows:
7,59
